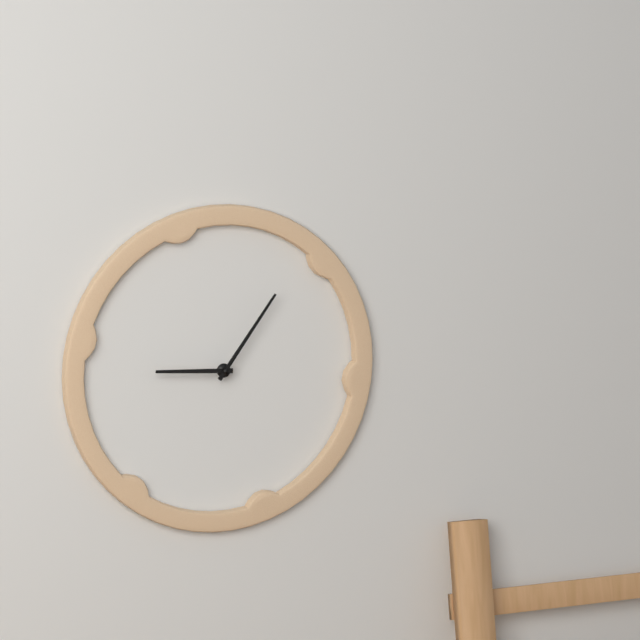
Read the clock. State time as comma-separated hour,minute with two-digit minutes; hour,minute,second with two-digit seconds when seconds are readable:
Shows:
9,06
